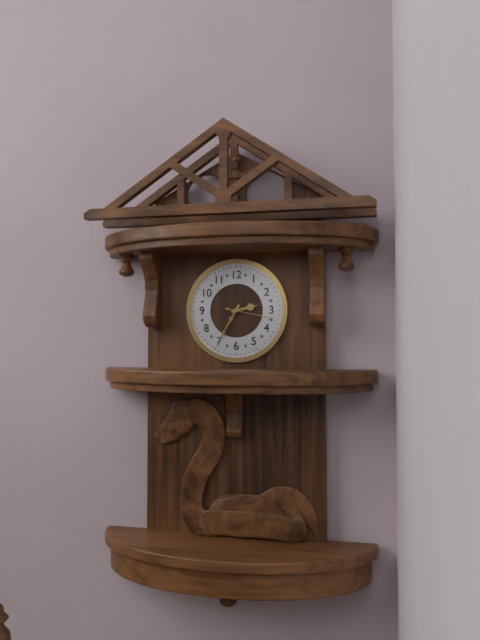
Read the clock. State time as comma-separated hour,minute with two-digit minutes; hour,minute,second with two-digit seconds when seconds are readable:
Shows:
2,35
